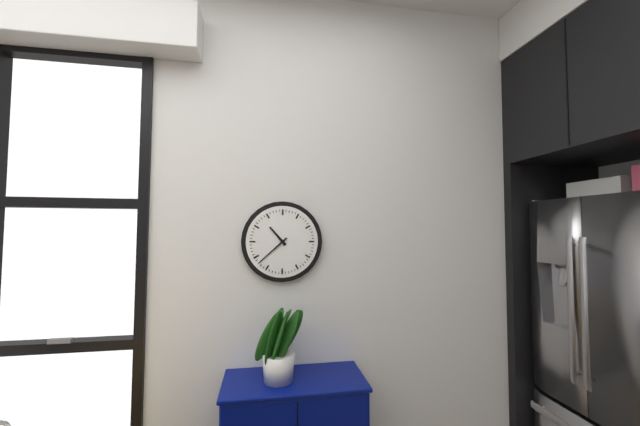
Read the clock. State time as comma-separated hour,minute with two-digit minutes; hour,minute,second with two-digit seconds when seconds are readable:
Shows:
10,38
